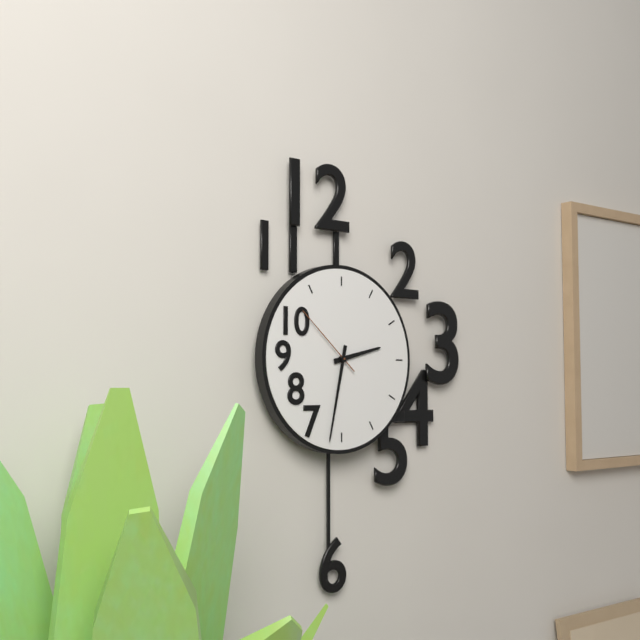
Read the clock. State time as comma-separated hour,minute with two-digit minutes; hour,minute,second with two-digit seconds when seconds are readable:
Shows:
2,32,52
